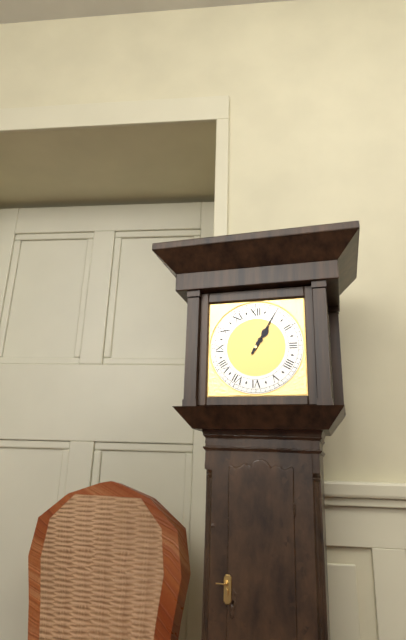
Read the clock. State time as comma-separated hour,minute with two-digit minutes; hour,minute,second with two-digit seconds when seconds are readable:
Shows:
1,05
